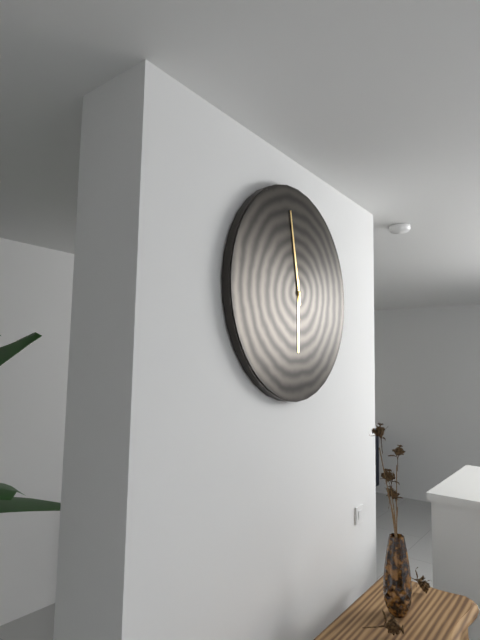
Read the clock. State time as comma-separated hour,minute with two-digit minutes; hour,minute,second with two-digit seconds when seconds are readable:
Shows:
5,58
